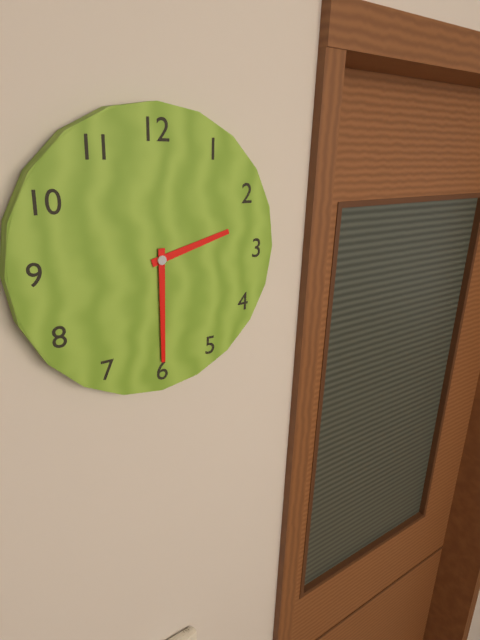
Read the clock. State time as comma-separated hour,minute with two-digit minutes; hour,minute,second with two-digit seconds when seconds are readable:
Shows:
2,30
